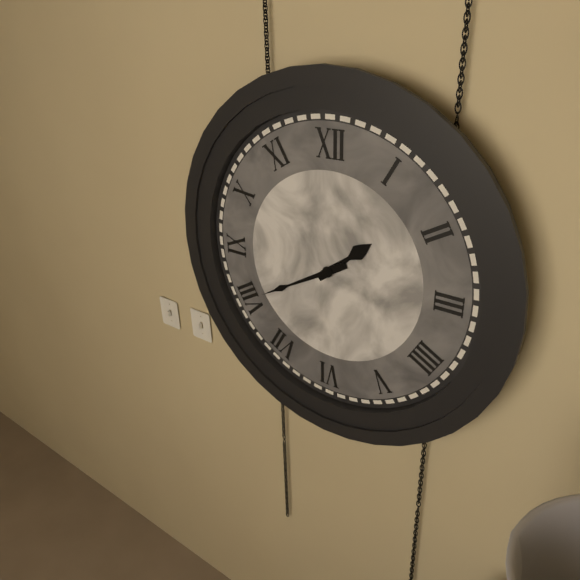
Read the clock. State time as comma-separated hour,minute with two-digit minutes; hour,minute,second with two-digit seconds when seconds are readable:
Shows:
1,40
